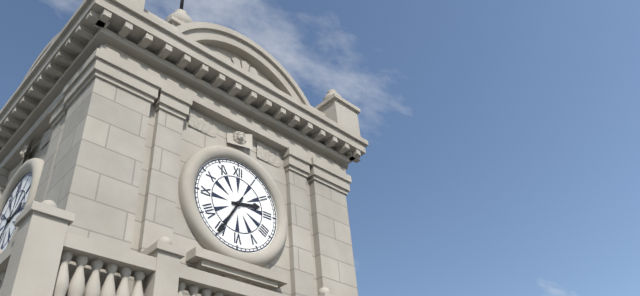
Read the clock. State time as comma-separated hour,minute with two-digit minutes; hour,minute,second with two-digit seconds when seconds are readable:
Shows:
2,35
